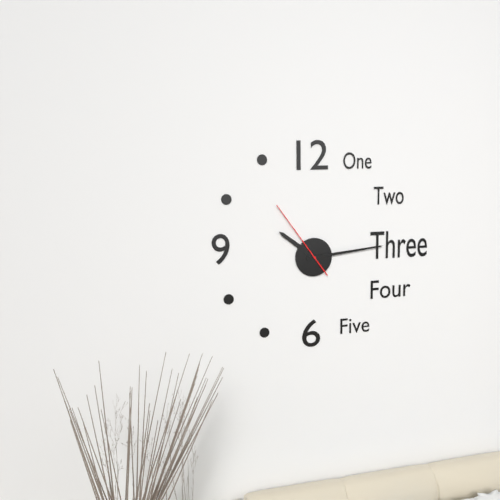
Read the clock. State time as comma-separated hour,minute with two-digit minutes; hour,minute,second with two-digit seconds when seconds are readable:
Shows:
10,14,54
